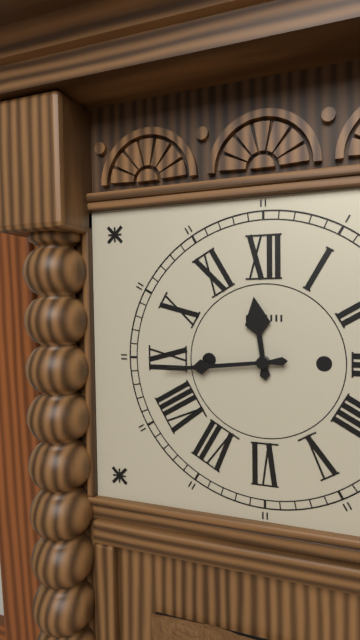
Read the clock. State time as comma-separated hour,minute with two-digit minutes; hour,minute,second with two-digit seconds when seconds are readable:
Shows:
11,44
